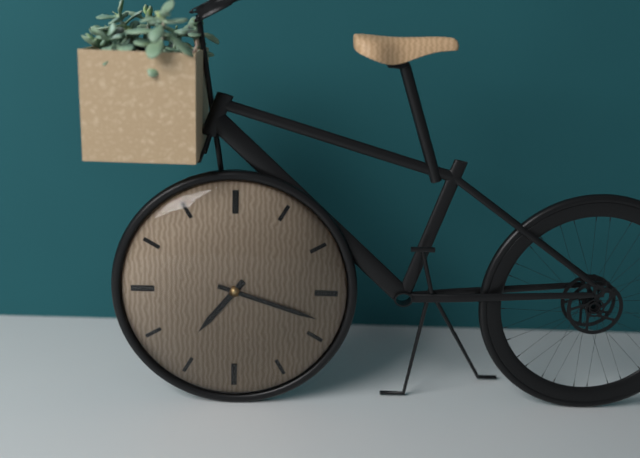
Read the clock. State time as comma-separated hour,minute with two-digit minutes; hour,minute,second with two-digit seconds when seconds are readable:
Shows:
7,18
